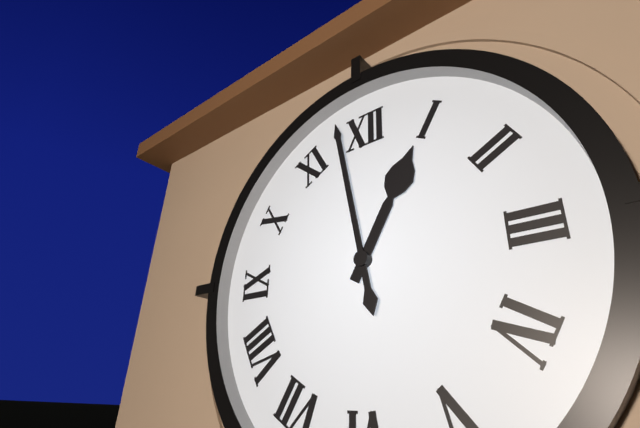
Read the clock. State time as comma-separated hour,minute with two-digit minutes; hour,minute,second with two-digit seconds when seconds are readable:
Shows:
12,58
